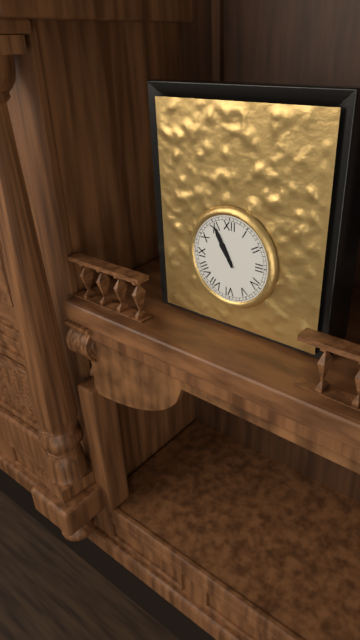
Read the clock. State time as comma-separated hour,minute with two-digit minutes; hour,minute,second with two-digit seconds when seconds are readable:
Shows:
10,55
